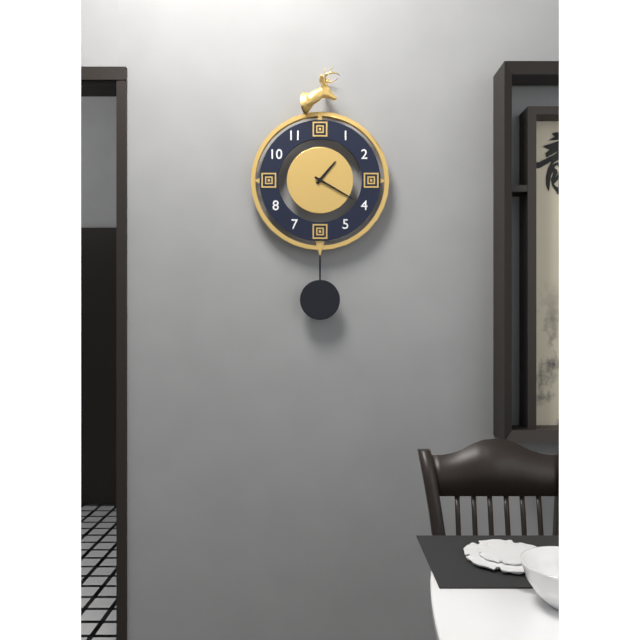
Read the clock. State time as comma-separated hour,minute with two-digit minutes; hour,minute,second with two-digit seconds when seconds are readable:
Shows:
1,20
